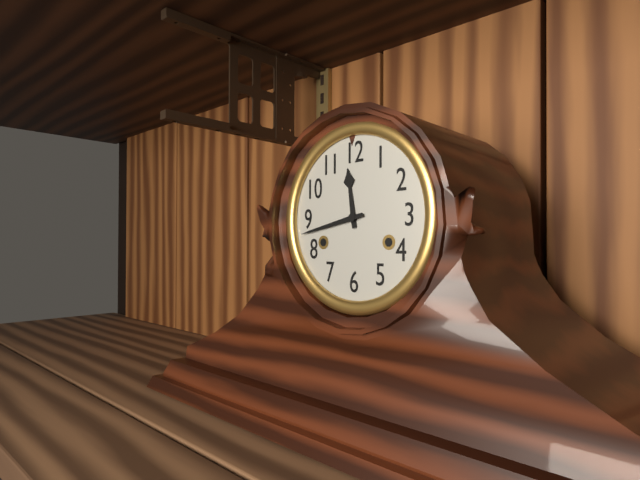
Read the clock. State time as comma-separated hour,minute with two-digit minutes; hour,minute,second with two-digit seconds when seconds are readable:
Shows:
11,43
